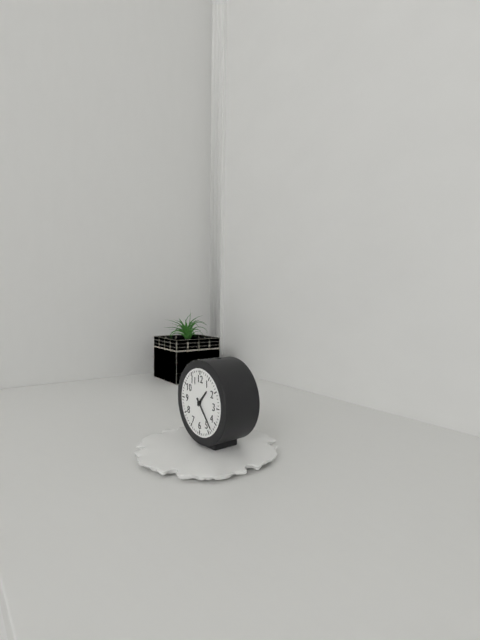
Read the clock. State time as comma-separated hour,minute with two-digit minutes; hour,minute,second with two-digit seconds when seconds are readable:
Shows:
1,23
